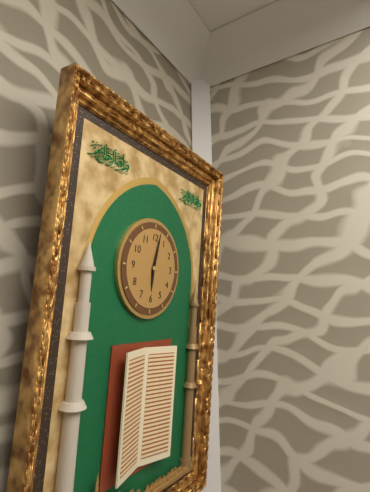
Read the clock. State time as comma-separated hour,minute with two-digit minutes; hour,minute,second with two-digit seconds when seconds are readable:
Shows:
6,02
